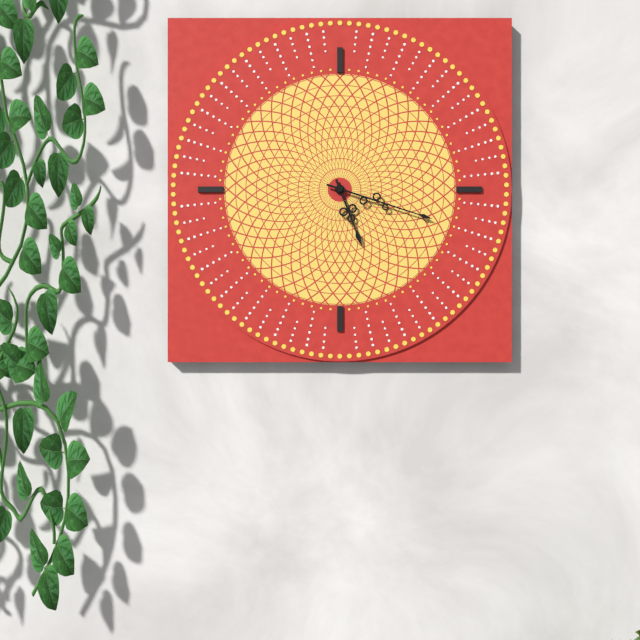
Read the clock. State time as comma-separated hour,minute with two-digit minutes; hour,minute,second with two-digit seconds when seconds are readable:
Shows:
5,18
